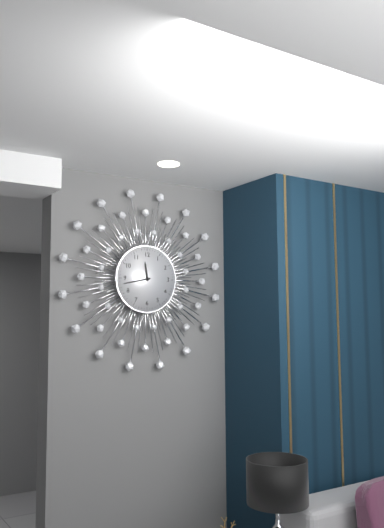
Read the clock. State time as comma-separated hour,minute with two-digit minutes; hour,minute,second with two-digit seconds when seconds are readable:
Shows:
11,43
